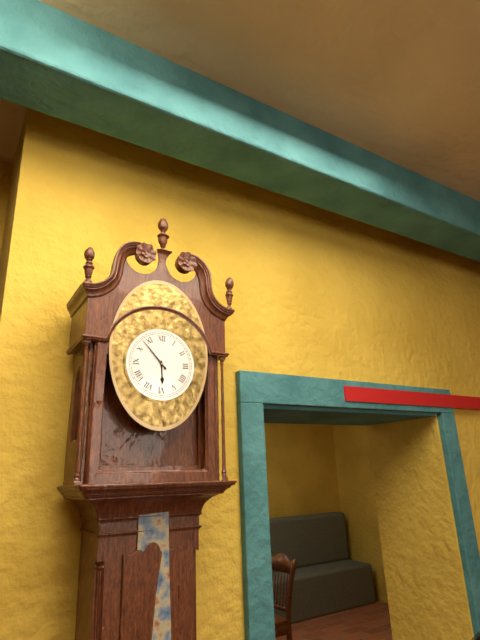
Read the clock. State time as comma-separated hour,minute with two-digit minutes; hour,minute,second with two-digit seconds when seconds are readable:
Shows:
5,53
